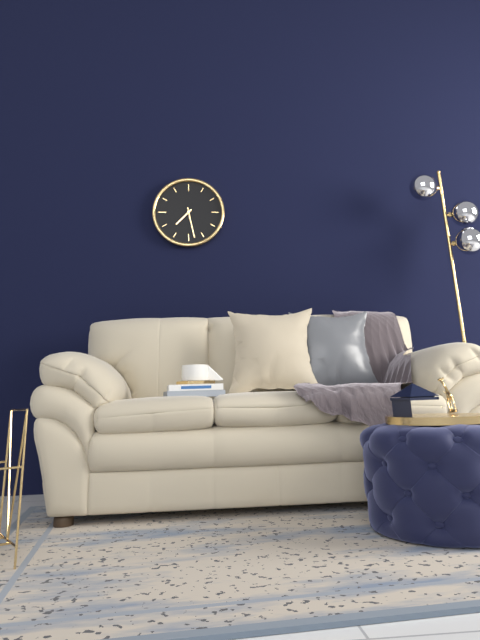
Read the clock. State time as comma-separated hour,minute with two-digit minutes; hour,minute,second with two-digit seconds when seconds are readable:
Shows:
7,28
